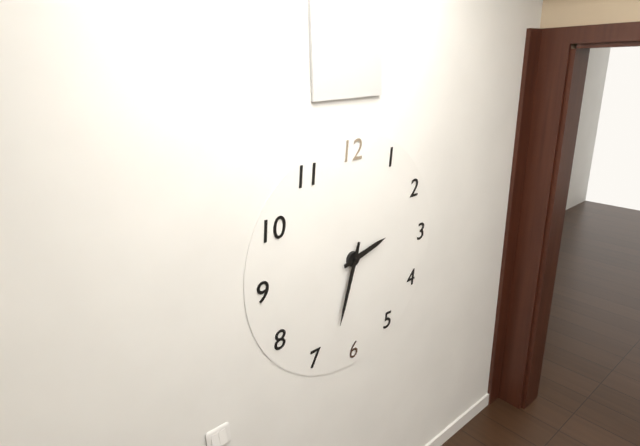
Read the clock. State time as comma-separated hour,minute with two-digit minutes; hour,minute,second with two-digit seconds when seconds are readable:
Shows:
2,33
